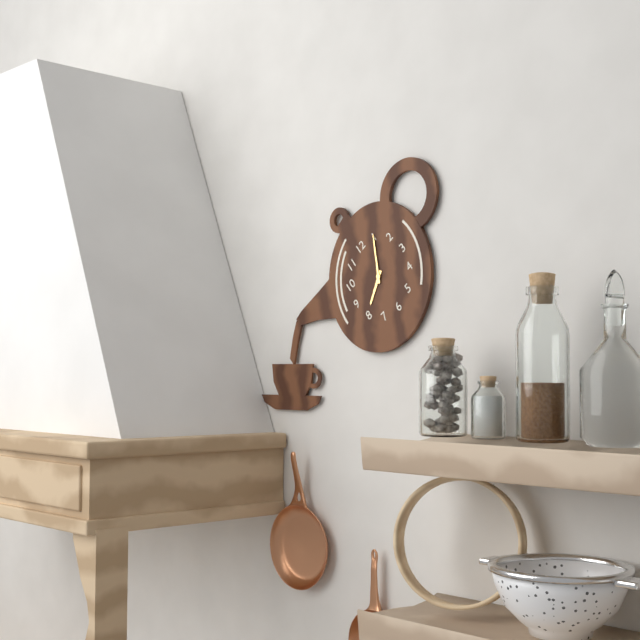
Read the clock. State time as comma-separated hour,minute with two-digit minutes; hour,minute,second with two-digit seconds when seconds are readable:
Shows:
8,05
